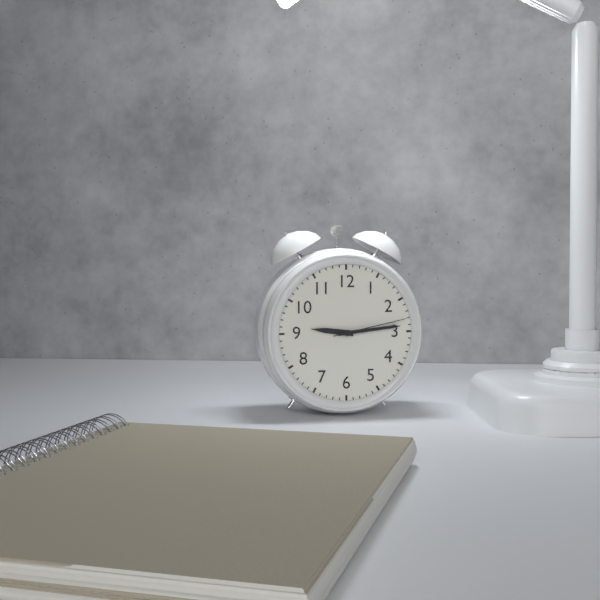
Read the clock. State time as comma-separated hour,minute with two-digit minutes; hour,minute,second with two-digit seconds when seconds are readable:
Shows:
9,14,13
